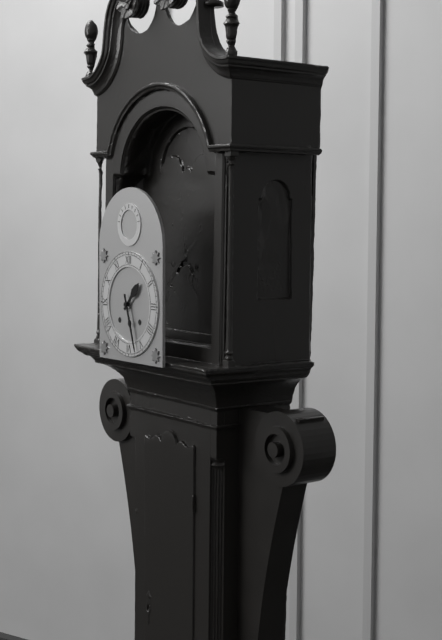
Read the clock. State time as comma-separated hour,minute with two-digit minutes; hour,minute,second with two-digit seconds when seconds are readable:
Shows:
1,27
